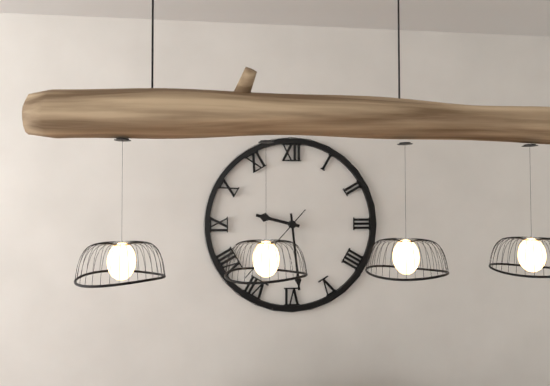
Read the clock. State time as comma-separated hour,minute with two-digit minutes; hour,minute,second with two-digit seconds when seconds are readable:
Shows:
9,29,37
